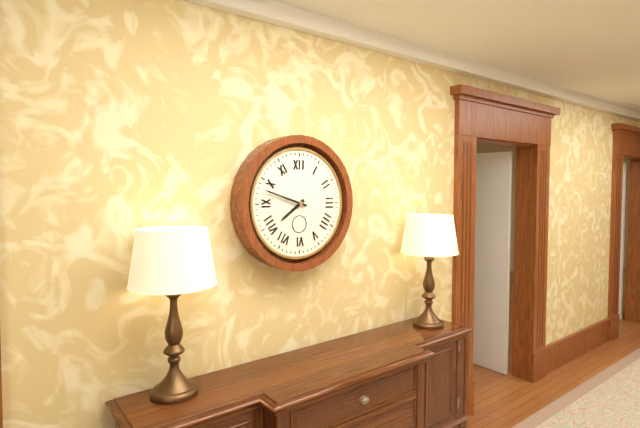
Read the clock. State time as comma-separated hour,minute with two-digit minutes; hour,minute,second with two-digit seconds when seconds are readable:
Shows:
7,48
